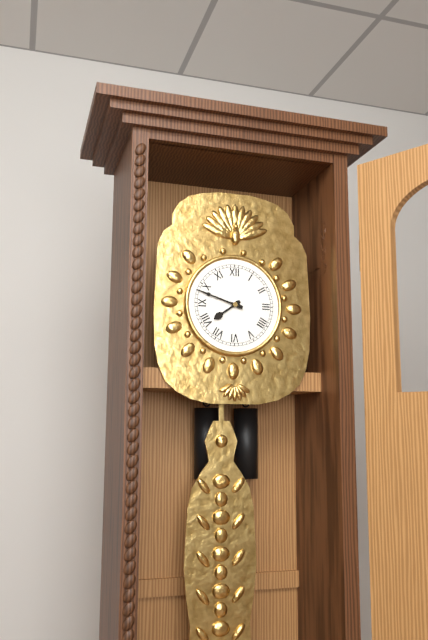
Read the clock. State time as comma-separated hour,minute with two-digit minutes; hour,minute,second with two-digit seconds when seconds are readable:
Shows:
7,48
